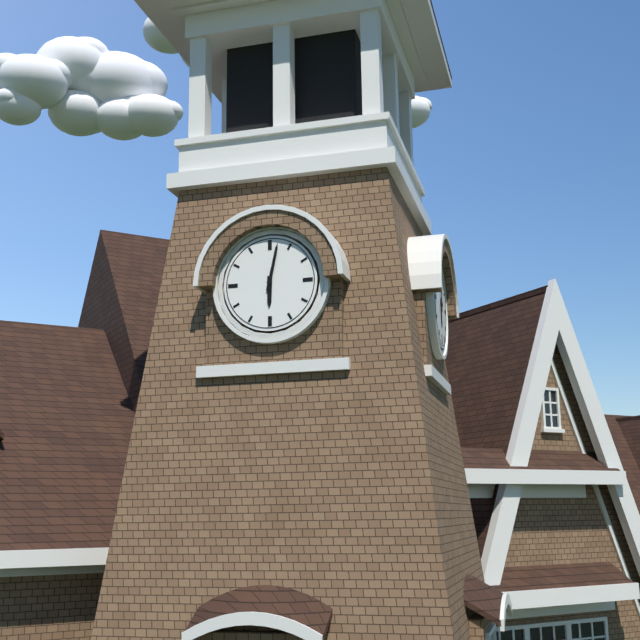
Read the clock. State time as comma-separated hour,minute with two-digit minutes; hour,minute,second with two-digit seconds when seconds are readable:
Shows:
6,02
